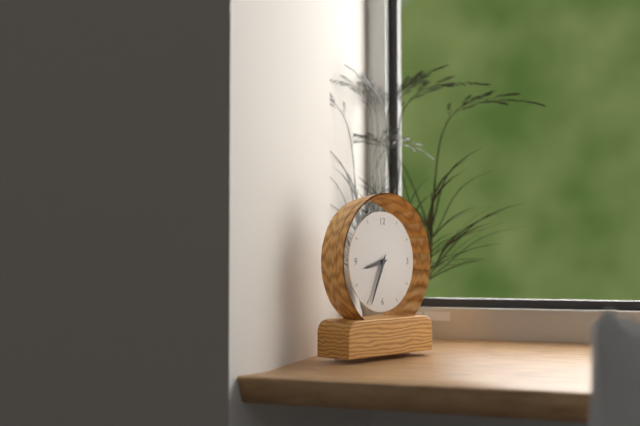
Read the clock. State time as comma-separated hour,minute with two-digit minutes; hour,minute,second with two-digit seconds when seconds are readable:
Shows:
8,34
